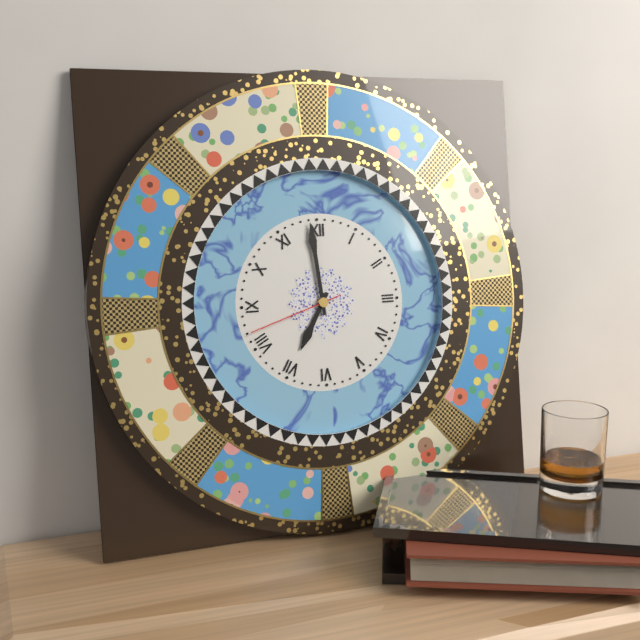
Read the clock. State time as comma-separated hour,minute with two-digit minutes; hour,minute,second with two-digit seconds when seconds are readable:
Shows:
6,59,42
